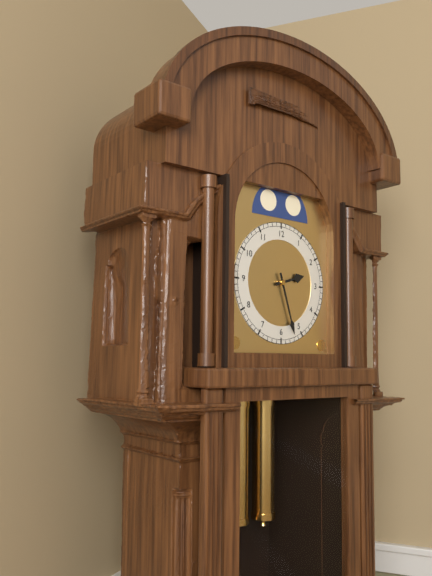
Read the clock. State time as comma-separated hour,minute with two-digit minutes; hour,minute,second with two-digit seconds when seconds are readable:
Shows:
2,27
